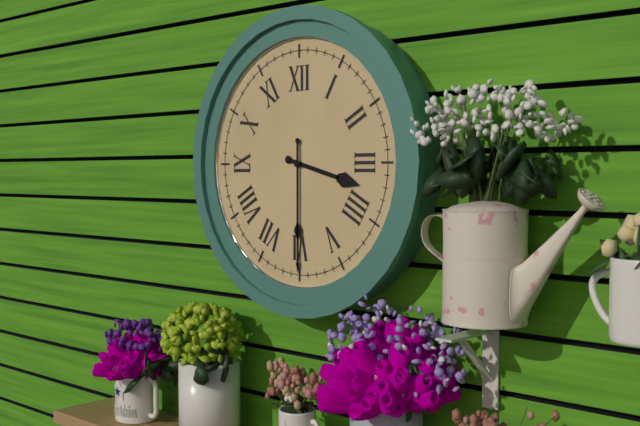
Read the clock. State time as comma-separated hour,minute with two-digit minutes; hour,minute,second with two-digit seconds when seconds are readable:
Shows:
3,30
